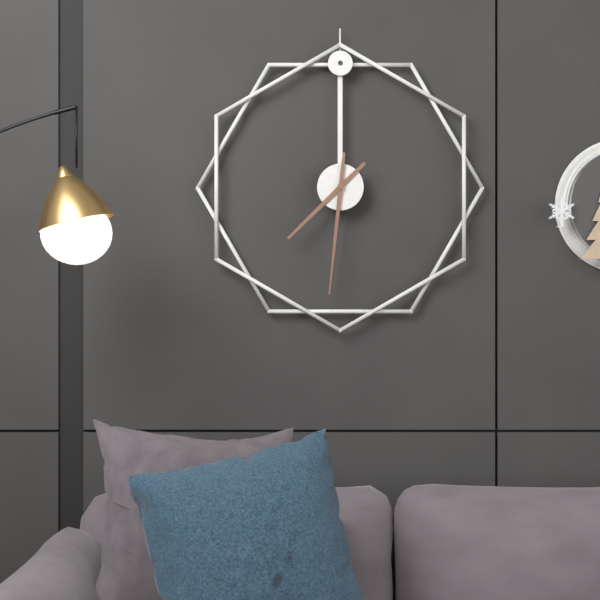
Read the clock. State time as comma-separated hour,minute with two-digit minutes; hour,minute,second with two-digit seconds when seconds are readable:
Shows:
7,31
